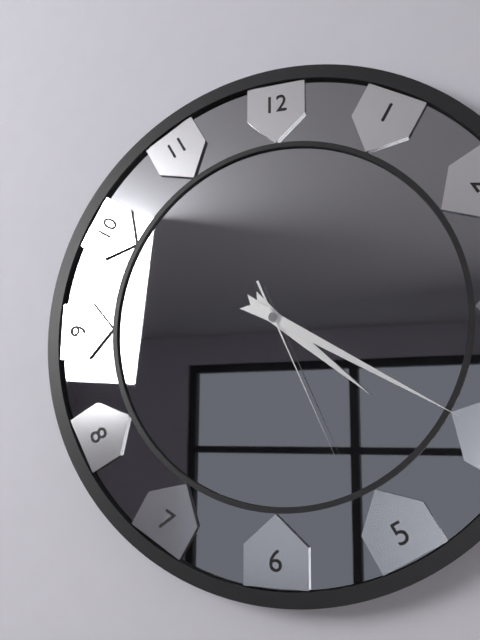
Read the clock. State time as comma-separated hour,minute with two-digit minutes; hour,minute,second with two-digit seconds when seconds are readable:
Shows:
4,20,26
